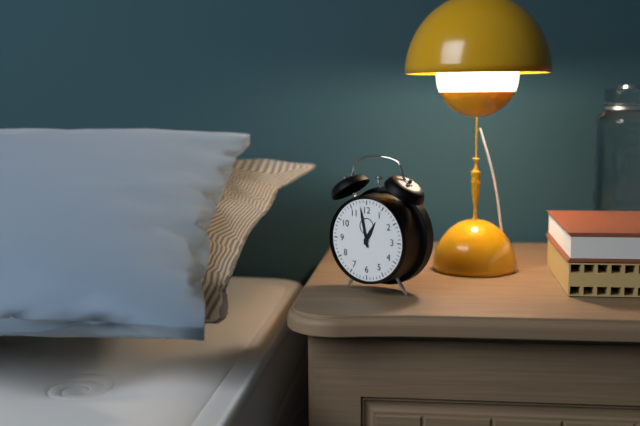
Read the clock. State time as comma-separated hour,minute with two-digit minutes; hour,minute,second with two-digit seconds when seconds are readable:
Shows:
12,58
